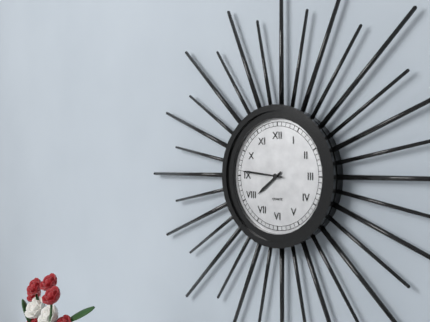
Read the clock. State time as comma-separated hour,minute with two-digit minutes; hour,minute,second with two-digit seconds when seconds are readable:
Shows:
7,46
